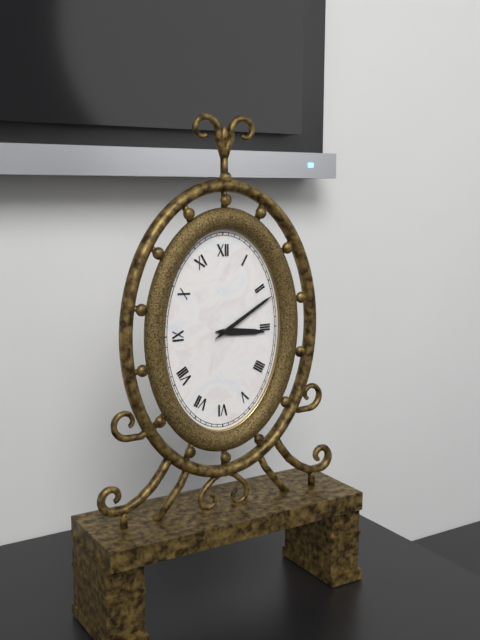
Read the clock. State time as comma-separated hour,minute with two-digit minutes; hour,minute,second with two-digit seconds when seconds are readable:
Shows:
3,10
